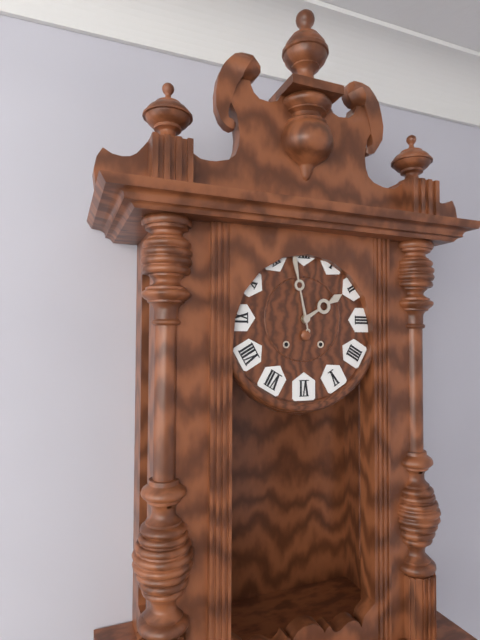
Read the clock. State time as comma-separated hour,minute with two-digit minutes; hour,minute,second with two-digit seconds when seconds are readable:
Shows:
1,58
